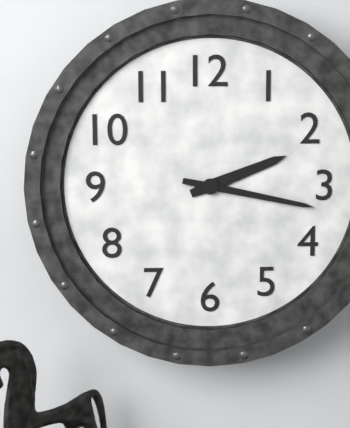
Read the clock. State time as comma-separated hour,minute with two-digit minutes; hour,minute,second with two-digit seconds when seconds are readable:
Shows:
2,17
